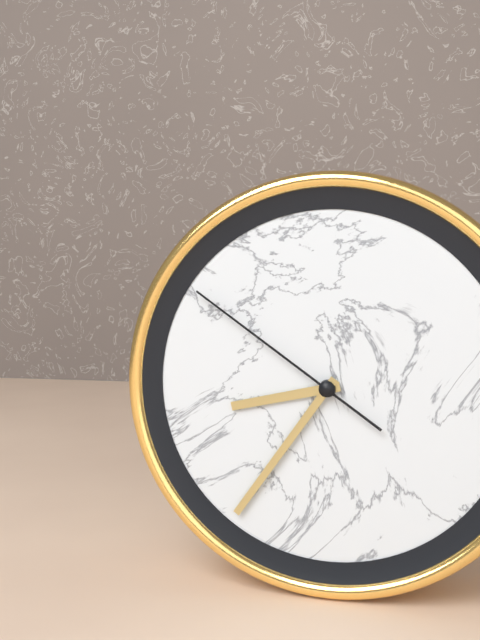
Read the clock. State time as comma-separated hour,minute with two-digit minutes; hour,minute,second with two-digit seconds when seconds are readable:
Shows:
8,36,51
